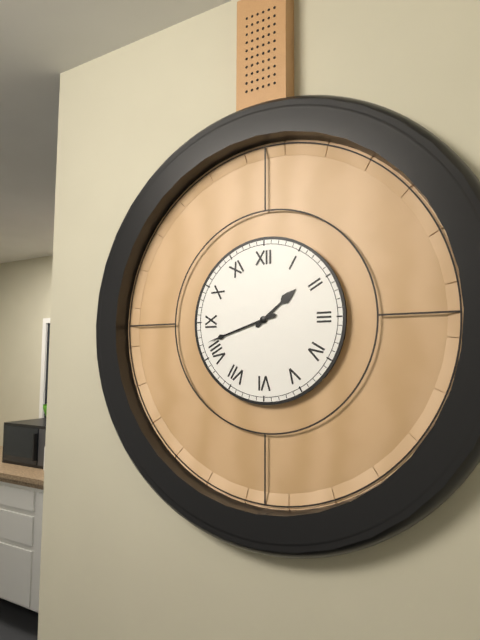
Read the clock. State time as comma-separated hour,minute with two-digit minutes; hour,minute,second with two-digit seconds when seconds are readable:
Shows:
1,42
